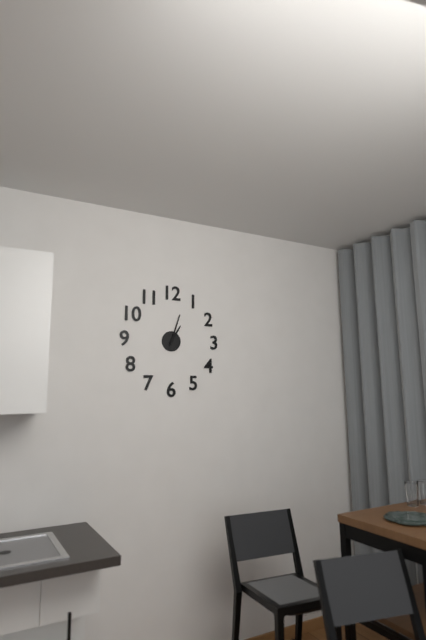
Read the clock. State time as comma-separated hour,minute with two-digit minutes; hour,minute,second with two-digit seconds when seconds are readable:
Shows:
1,03
